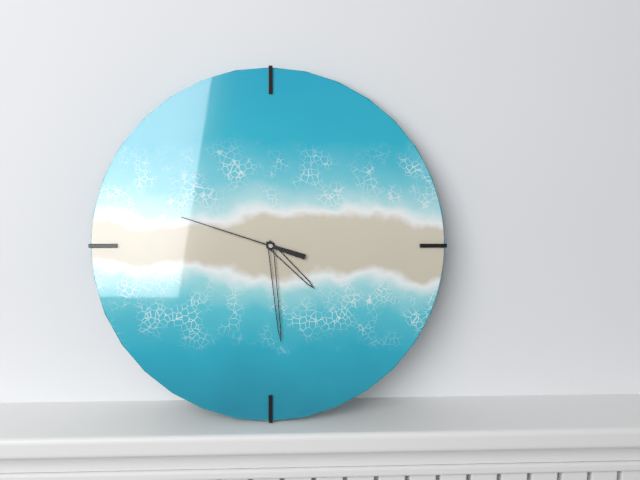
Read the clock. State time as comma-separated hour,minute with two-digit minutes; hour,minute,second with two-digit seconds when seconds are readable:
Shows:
4,29,48
